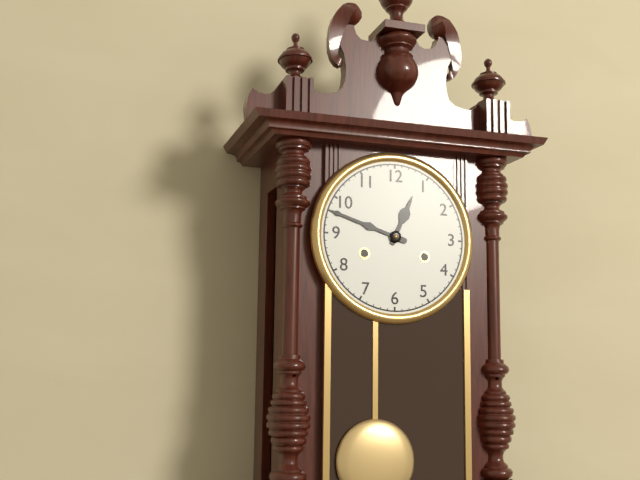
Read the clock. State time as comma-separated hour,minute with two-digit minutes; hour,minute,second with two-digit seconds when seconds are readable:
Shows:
12,48
